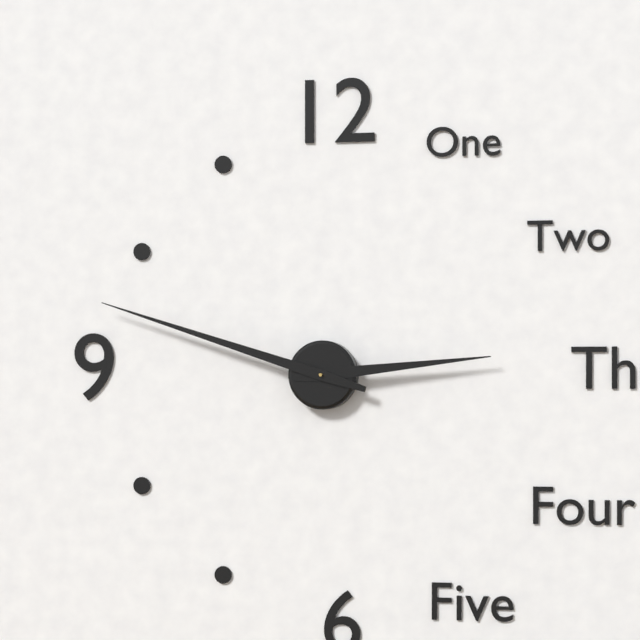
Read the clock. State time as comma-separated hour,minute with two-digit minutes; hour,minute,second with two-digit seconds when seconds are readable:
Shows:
2,48
